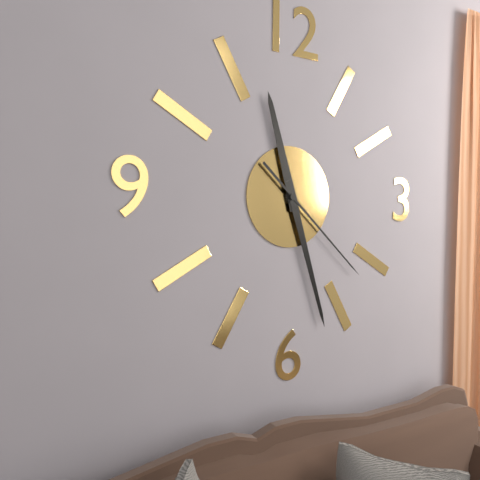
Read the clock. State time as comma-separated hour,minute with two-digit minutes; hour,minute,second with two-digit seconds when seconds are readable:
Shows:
11,27,22
